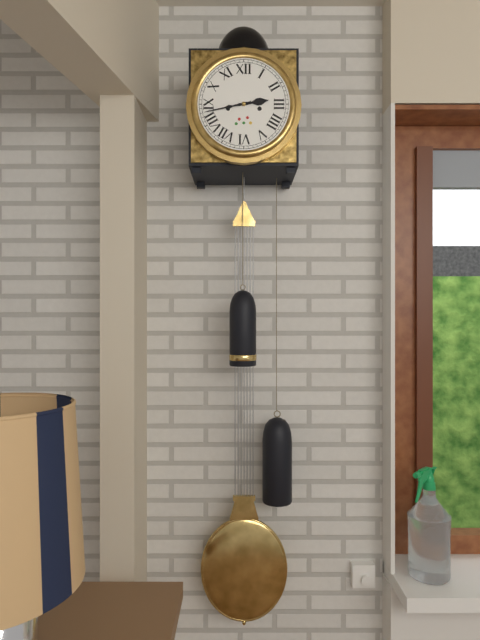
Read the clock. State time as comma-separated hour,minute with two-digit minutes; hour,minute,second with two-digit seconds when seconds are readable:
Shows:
2,43
